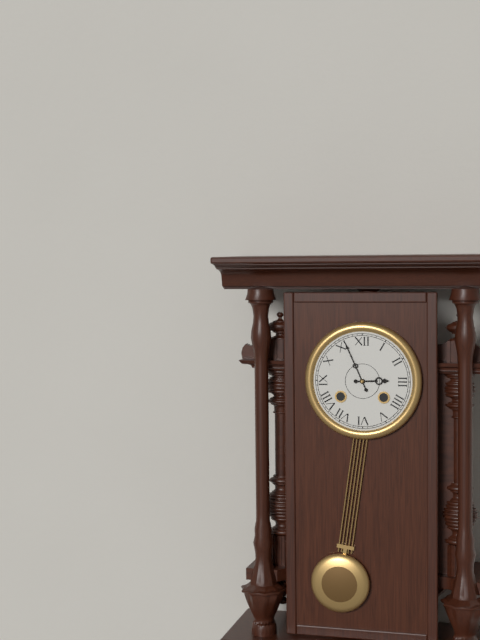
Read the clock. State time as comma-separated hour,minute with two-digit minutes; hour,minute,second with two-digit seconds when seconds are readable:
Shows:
2,56
